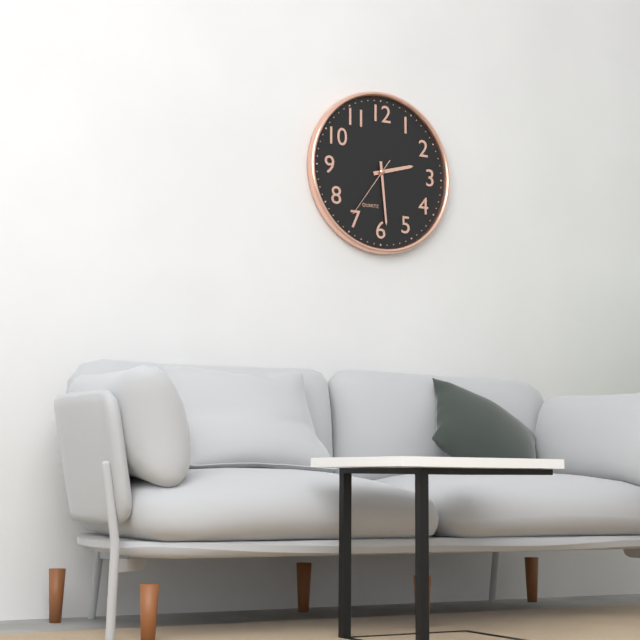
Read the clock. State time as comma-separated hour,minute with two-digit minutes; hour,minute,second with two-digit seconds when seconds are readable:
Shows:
2,29,36
